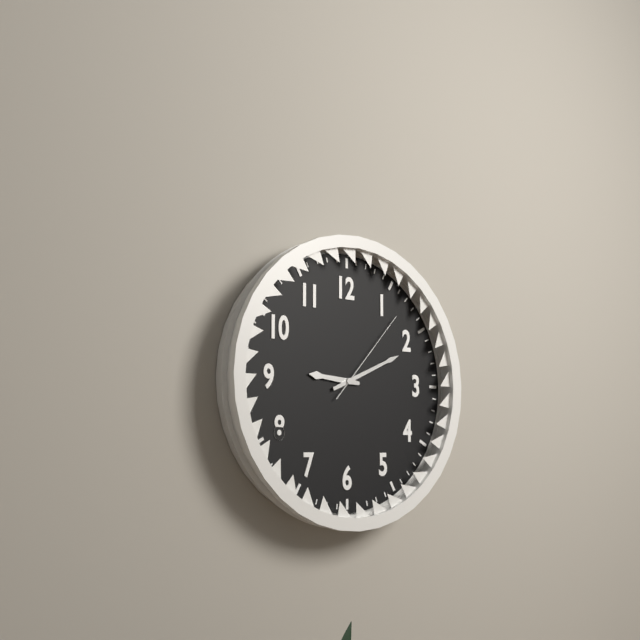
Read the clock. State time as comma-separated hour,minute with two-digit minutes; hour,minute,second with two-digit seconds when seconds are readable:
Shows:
9,11,07
